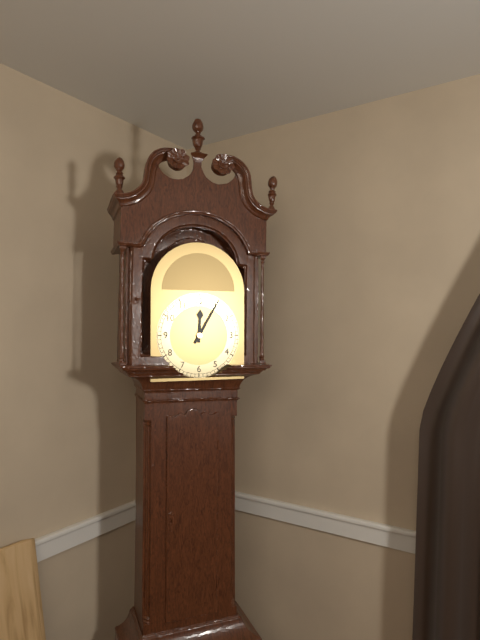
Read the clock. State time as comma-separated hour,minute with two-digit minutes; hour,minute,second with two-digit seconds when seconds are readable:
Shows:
12,05
